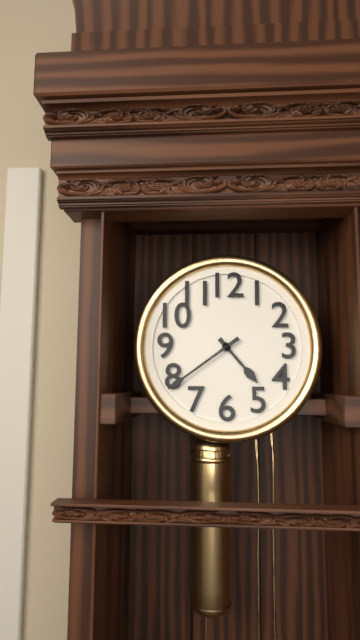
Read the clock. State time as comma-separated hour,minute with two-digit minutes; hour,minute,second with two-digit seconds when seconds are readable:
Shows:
4,39
